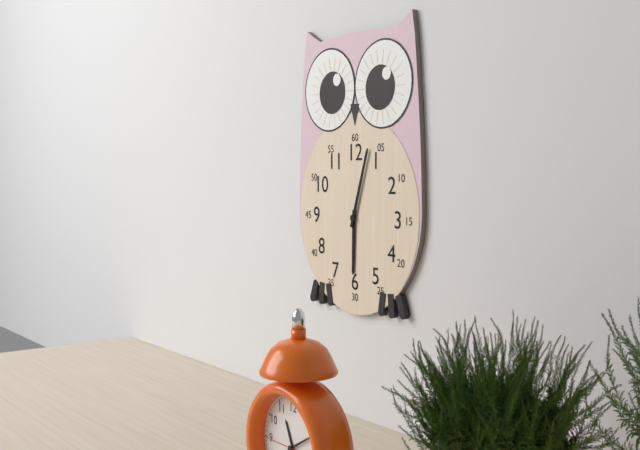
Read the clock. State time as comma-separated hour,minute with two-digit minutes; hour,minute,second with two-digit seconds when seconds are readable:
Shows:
6,03
